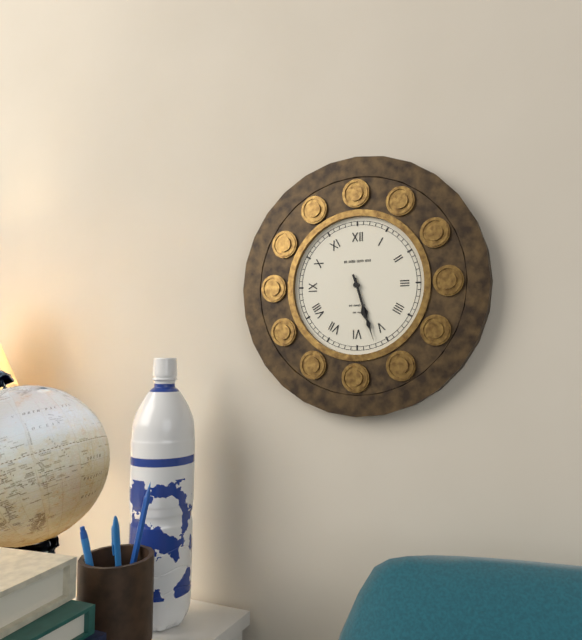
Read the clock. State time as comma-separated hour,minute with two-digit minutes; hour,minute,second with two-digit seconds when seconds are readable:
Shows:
5,27
